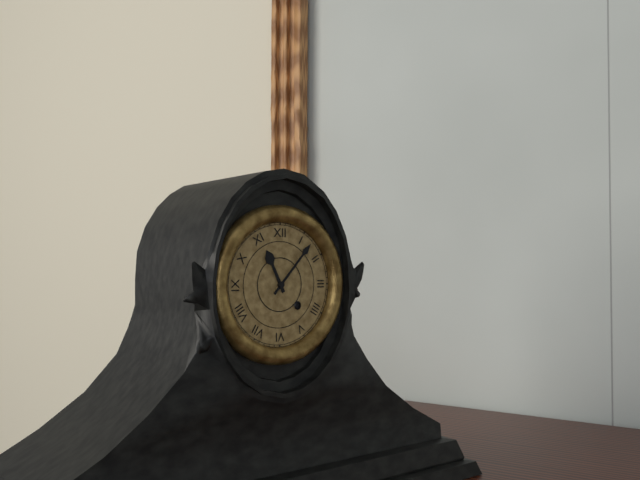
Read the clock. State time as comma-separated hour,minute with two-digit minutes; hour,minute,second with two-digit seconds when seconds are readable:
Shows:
11,07
